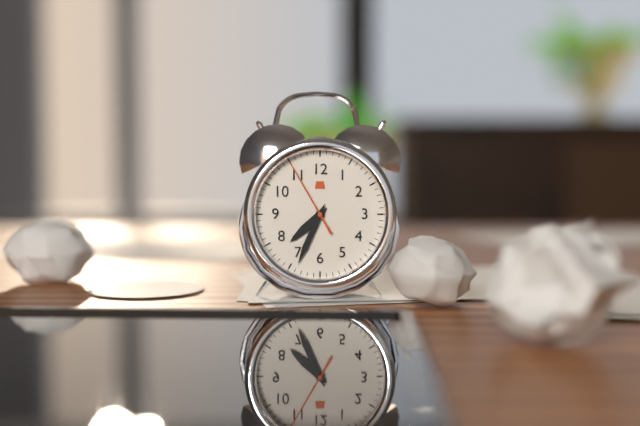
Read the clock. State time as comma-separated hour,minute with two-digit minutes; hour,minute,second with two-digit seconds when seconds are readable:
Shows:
7,34,55
